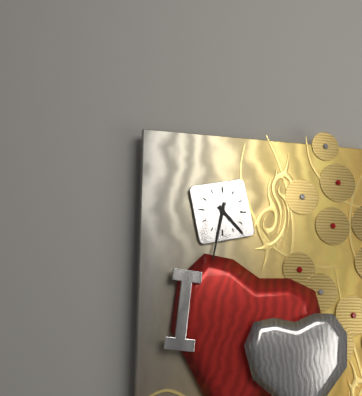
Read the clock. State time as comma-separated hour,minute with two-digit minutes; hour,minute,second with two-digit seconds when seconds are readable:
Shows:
4,32
